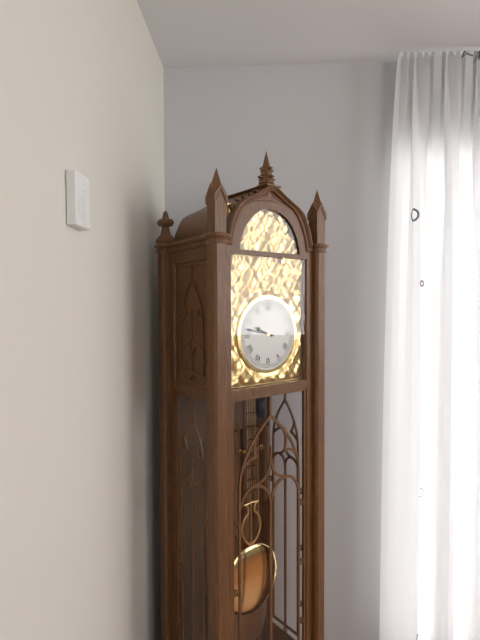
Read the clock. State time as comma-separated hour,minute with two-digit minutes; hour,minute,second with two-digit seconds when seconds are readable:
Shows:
9,47
